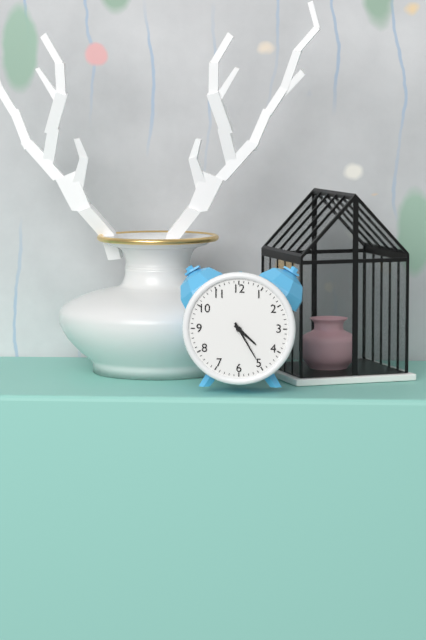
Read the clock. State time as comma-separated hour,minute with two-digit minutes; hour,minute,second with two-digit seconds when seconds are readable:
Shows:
4,25
